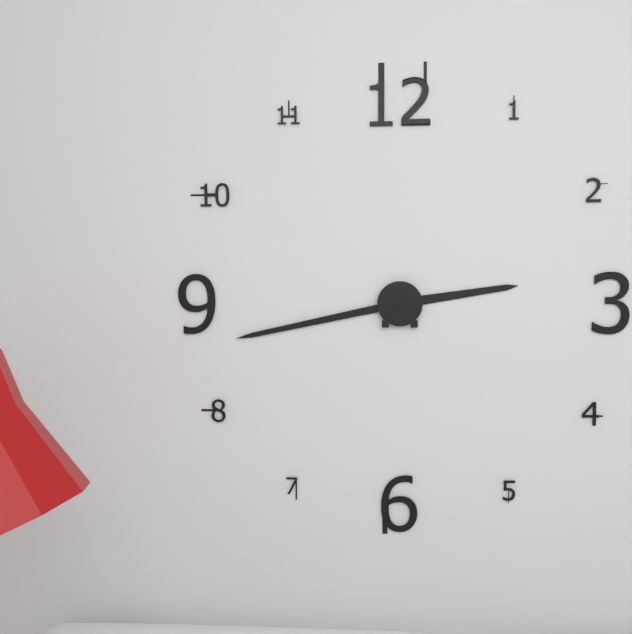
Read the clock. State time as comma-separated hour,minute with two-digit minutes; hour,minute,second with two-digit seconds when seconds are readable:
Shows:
2,43
